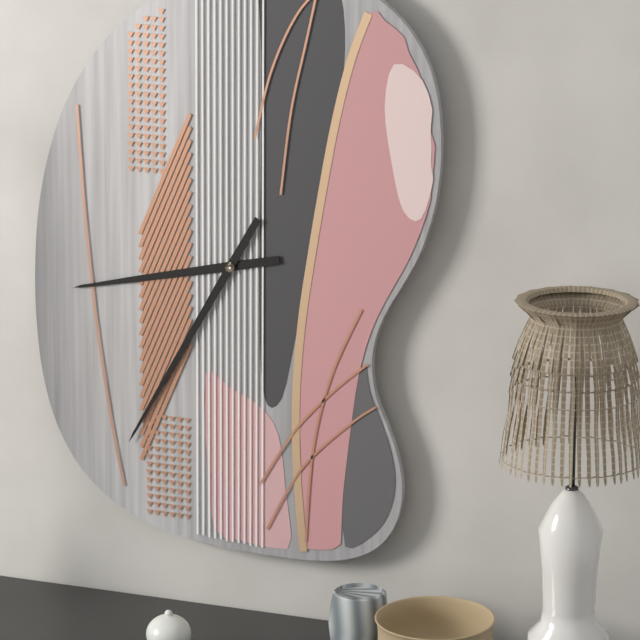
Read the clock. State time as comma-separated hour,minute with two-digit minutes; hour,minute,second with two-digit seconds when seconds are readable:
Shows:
8,35
